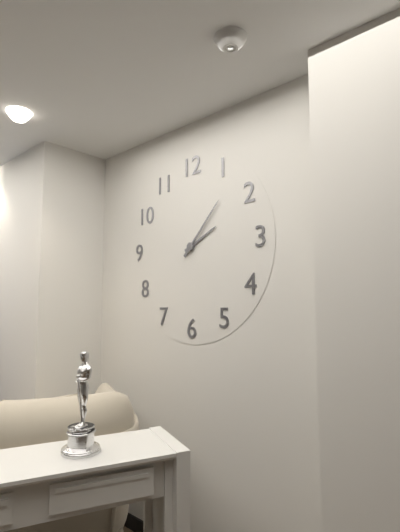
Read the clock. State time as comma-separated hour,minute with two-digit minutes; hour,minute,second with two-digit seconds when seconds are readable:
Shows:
2,07
